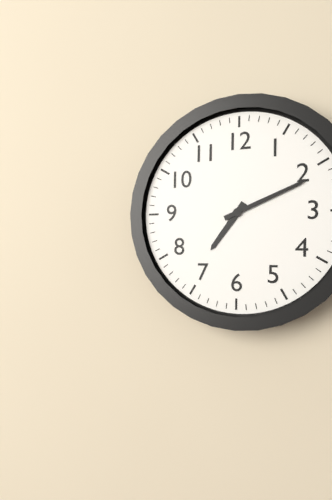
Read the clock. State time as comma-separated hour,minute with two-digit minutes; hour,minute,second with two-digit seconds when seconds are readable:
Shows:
7,11
